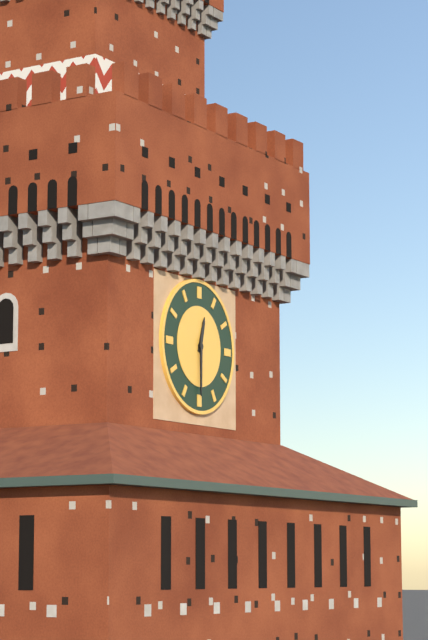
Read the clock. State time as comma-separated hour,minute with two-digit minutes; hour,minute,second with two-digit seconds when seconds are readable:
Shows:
12,30
